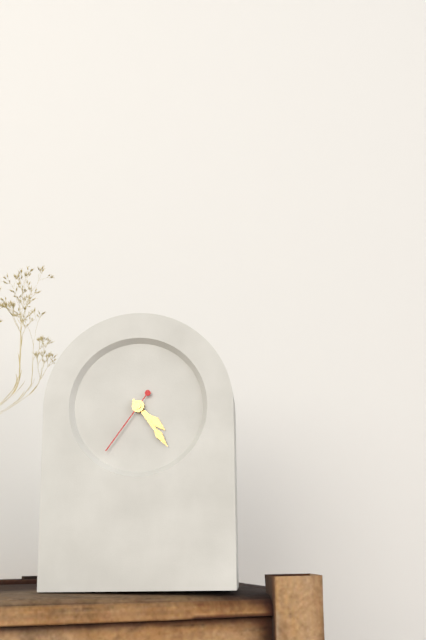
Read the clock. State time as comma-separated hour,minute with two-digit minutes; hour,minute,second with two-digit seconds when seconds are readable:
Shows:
4,24,36
